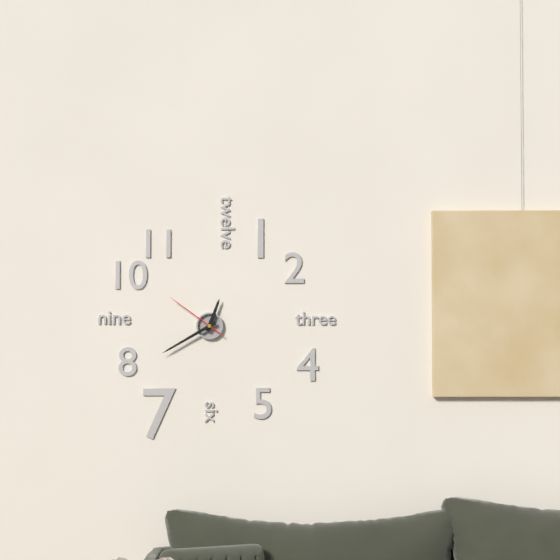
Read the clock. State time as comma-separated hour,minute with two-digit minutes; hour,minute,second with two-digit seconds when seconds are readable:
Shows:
12,40,51
